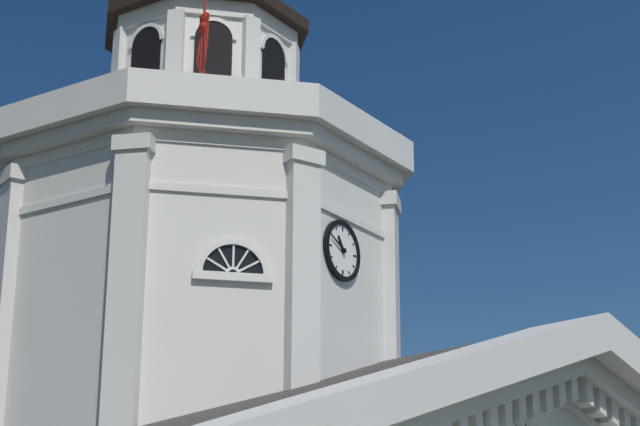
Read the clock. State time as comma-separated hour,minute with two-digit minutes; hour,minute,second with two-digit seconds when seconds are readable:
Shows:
10,49
